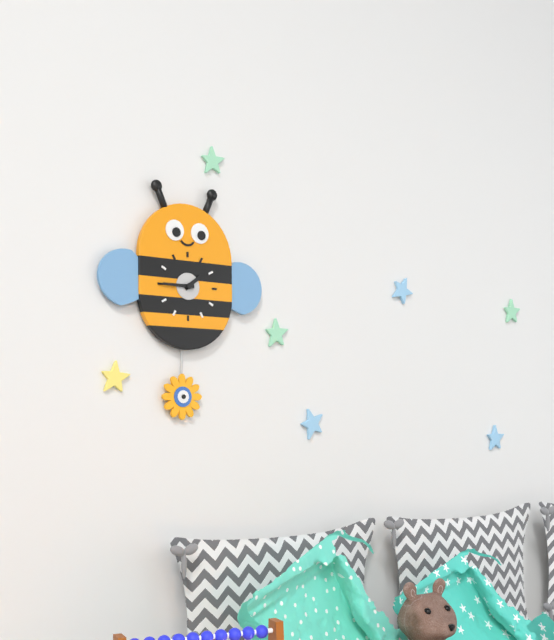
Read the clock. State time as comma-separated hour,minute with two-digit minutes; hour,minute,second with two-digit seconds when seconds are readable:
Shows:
1,45
